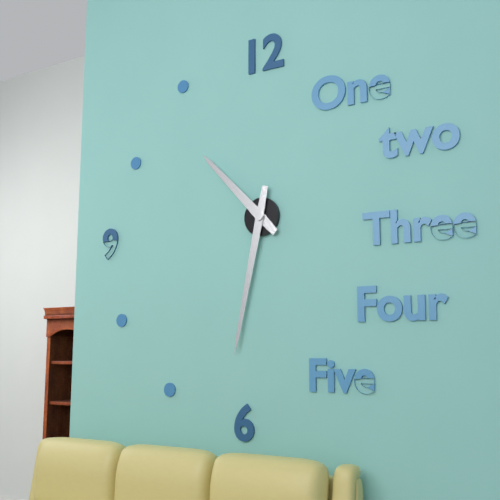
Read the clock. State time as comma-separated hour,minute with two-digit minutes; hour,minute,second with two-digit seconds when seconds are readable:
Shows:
10,32
